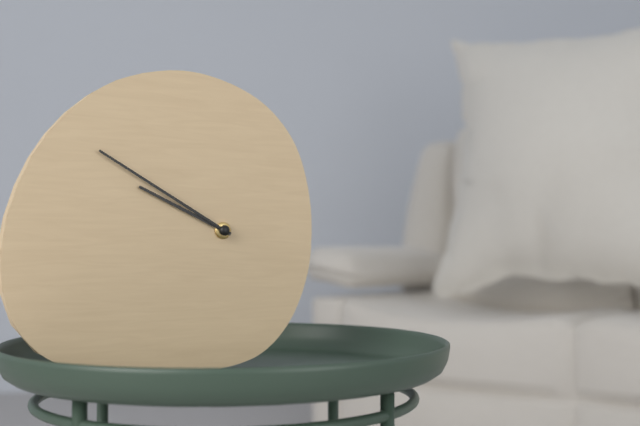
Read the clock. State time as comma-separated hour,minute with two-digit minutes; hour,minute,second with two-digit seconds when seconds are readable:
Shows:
9,50
